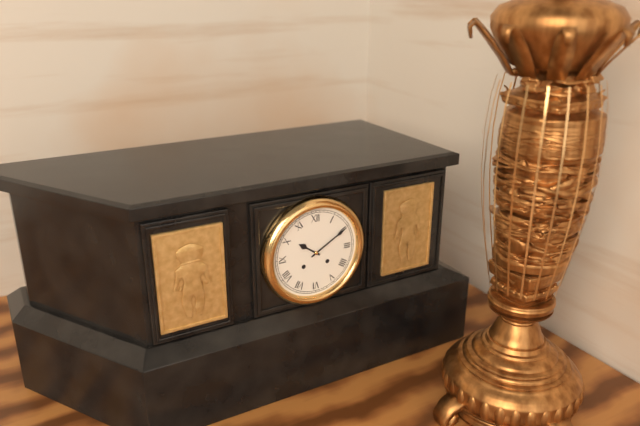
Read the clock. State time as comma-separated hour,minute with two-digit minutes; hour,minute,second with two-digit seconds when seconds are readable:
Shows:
10,10
